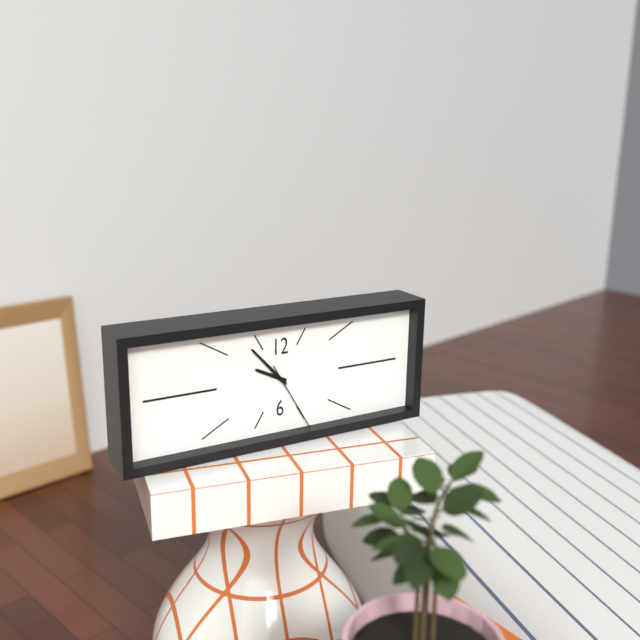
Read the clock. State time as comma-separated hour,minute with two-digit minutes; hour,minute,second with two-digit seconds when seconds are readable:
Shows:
9,53,25
